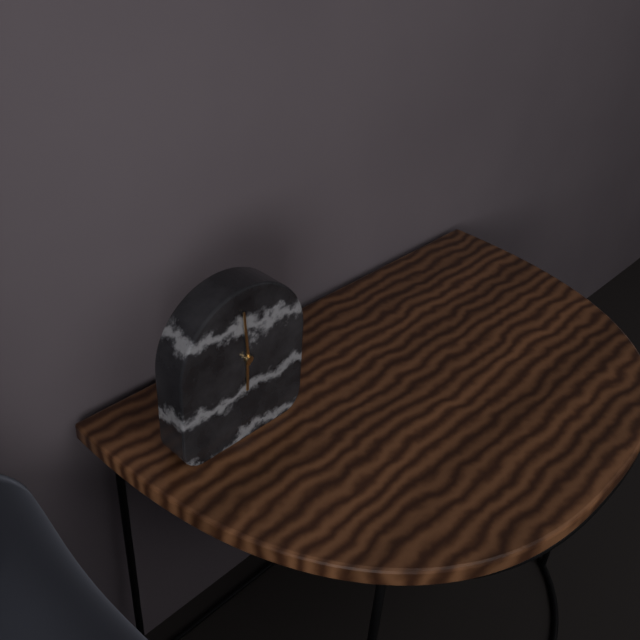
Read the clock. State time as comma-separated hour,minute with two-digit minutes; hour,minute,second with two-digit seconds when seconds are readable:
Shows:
5,59
